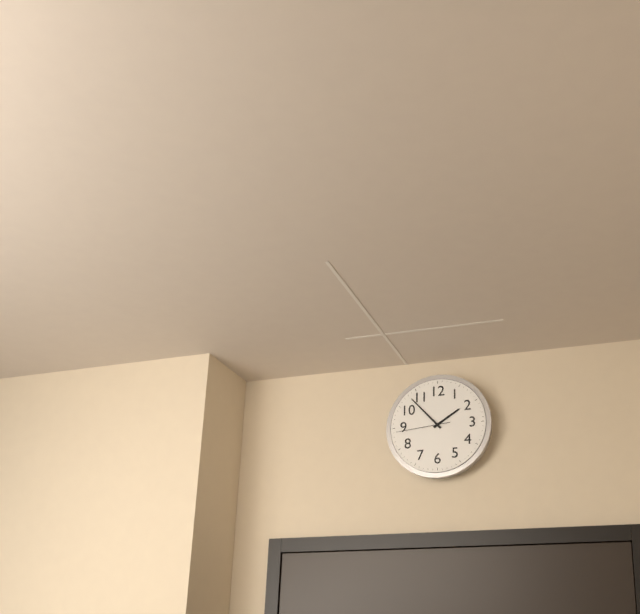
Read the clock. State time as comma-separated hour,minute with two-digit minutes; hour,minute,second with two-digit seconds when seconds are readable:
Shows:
1,53,44
